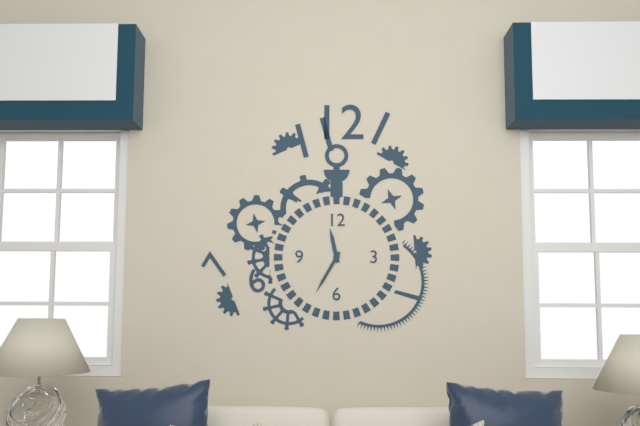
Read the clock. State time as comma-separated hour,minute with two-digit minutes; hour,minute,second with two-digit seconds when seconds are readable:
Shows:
11,35
